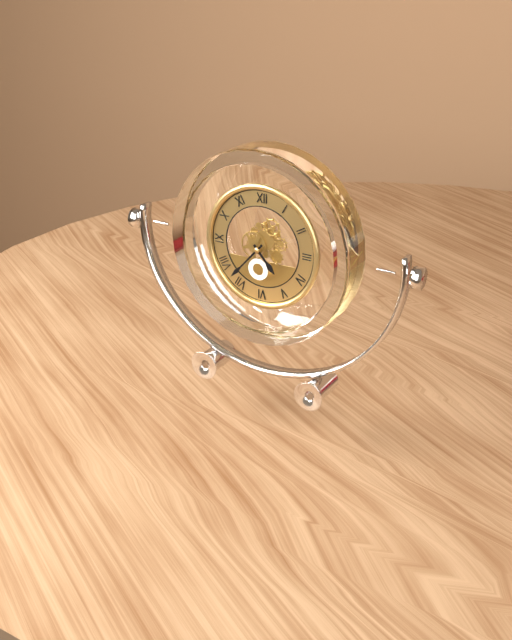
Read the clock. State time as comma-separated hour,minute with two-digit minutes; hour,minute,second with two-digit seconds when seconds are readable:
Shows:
4,37
